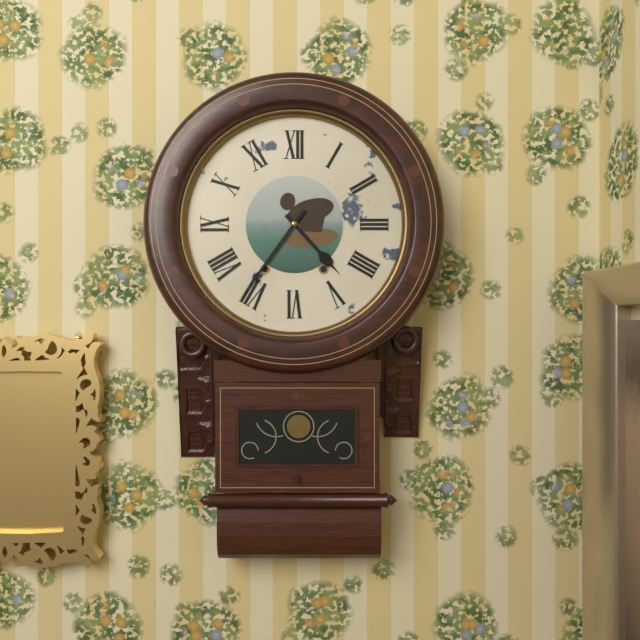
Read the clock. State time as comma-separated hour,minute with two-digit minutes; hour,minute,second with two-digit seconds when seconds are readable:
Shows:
4,36
